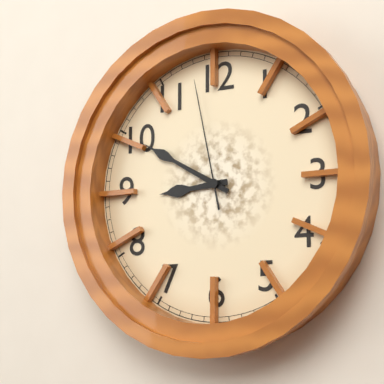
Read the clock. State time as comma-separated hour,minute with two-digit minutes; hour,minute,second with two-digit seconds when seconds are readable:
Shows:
8,50,58
